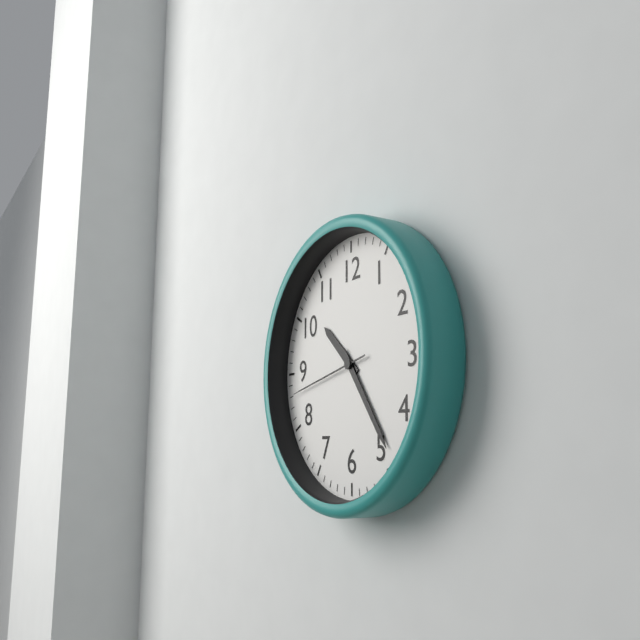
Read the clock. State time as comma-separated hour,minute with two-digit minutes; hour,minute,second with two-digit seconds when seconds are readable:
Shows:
10,24,43
